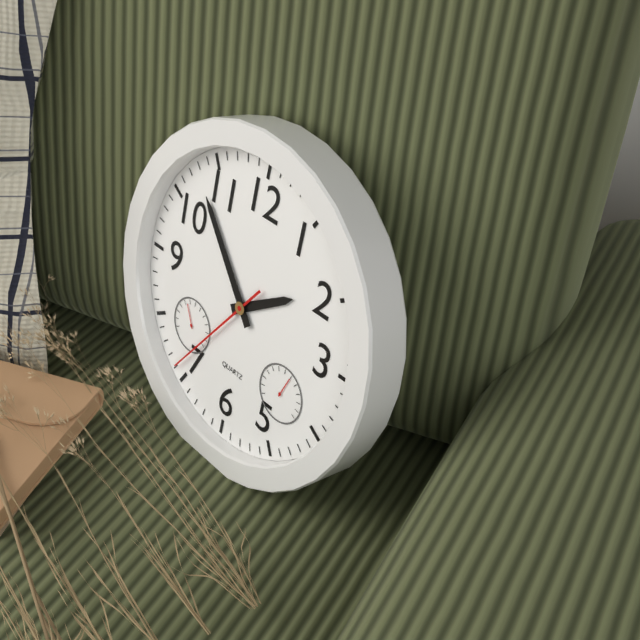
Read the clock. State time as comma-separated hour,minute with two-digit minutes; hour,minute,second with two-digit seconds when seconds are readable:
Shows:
1,53,36
